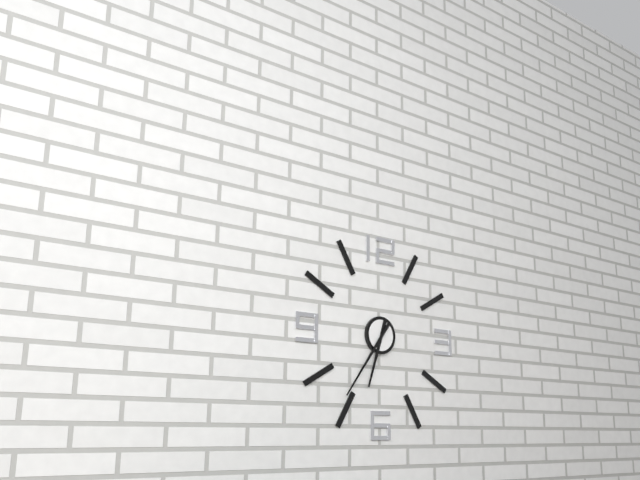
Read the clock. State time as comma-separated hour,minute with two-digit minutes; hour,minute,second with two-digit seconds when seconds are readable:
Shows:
6,36
